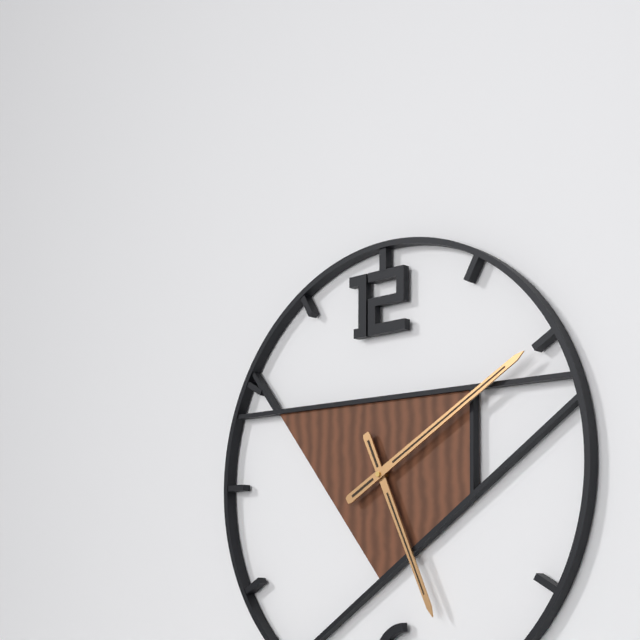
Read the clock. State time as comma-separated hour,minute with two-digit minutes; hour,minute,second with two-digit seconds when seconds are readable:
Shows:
5,10
